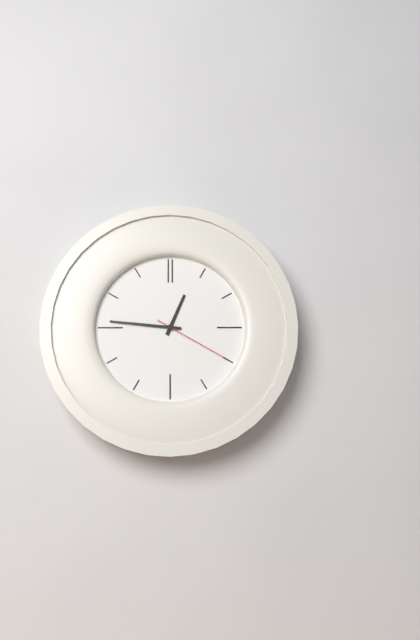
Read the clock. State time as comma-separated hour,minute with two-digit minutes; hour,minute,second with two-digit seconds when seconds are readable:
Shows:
12,46,20
